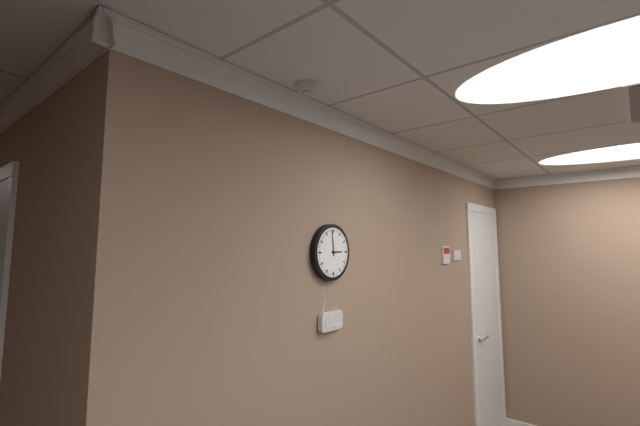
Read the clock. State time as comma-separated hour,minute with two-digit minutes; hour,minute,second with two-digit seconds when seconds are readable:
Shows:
2,59
